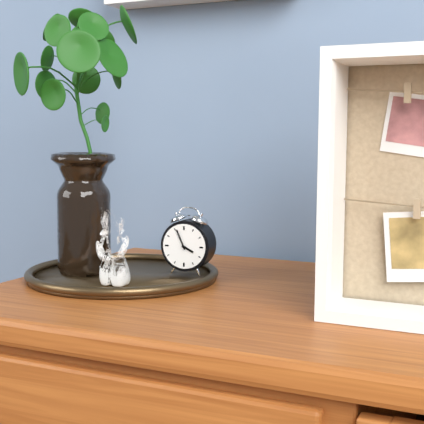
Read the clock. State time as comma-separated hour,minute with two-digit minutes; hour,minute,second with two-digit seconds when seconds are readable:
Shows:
3,56
